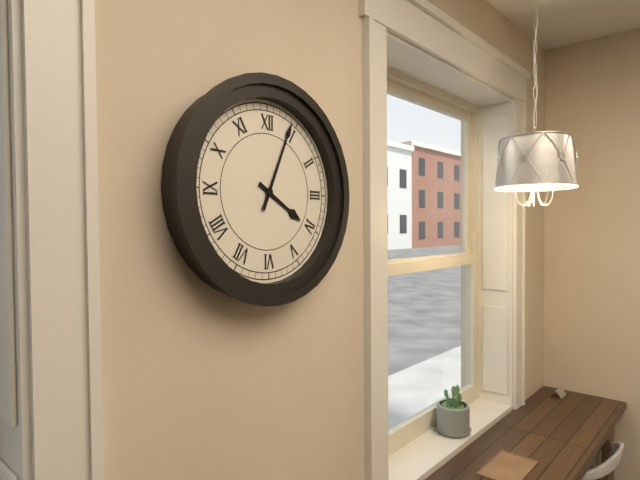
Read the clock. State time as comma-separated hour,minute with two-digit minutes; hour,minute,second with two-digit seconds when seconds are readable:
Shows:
4,04
